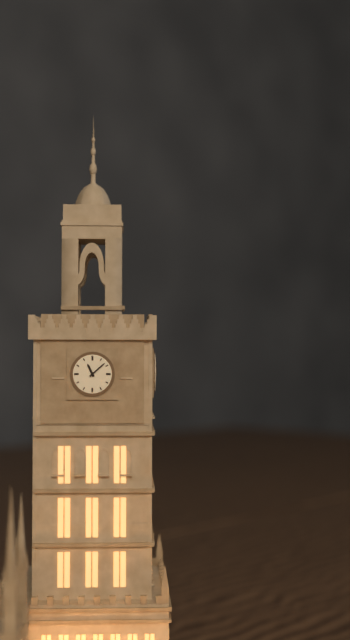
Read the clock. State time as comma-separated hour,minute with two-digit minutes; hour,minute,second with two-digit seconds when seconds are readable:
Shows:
11,08
